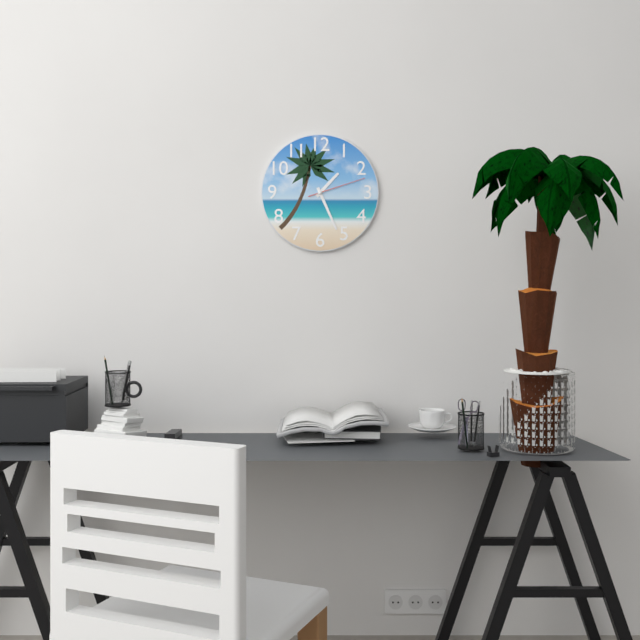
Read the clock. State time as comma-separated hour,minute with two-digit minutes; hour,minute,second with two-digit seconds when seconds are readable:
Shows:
1,26,12
